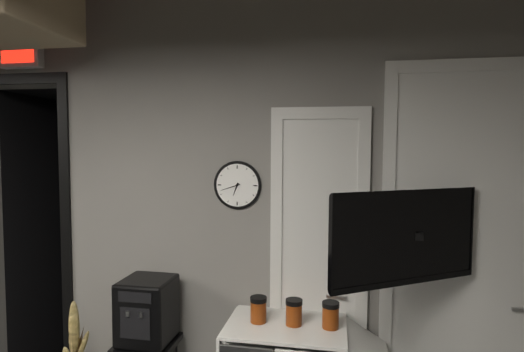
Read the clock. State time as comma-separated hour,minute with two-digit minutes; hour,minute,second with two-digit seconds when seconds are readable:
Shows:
6,42
